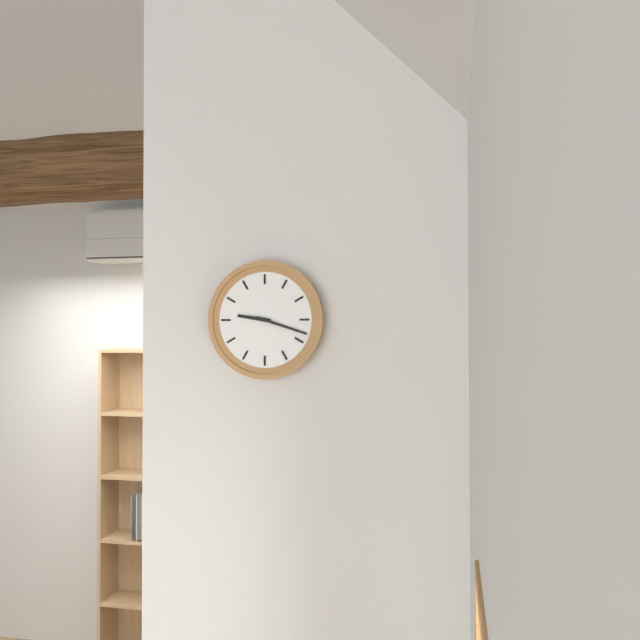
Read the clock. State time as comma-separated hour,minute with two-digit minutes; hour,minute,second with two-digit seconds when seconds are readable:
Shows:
9,18
